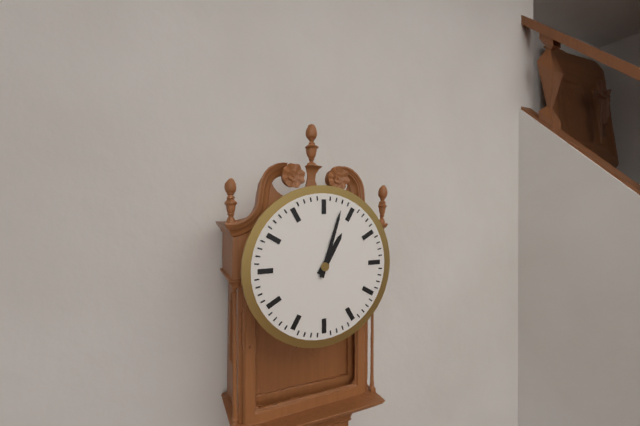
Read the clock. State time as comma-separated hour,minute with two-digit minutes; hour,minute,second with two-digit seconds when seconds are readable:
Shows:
1,03
